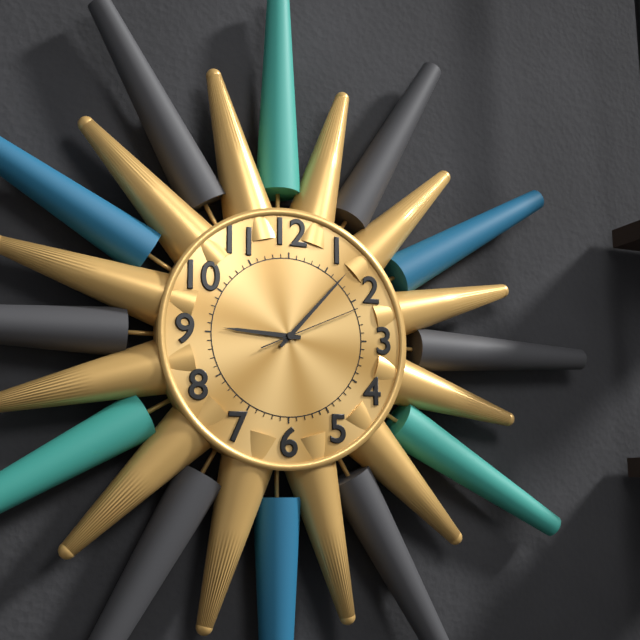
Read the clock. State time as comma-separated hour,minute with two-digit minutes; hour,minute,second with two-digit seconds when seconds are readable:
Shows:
9,07,11
